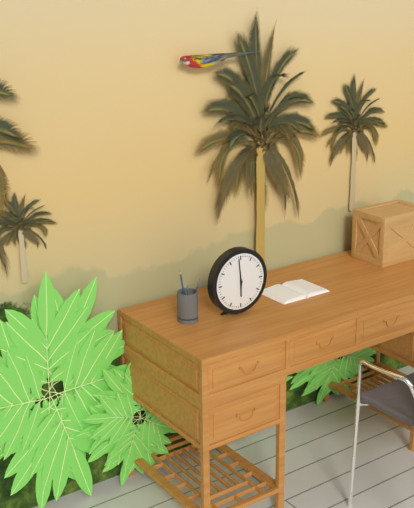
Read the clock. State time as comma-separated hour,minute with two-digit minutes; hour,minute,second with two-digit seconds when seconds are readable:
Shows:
5,59
